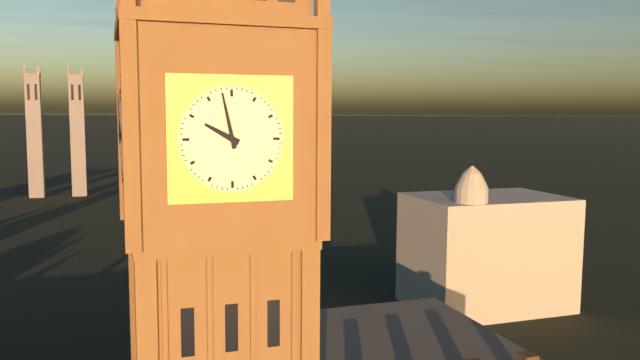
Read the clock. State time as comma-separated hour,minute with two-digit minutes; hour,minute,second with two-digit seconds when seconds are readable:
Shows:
9,58
